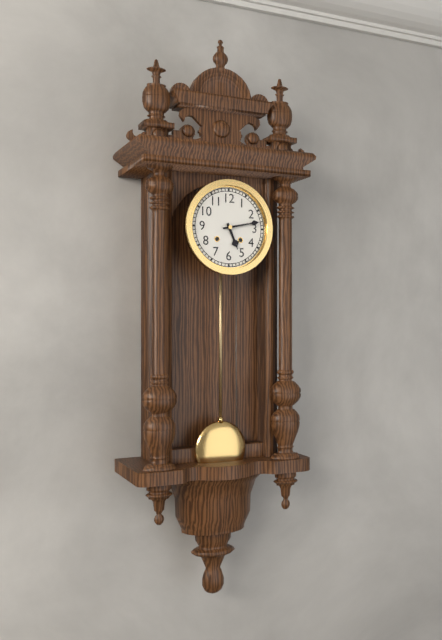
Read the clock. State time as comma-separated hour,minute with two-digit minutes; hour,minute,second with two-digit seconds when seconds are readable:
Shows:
5,13
